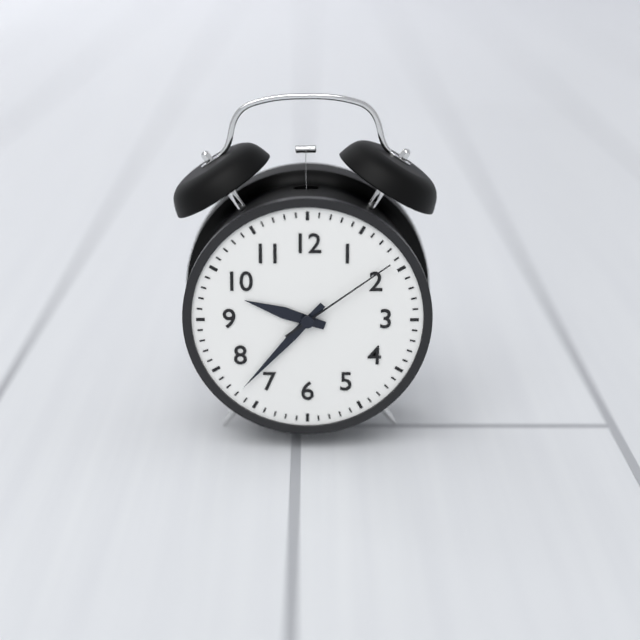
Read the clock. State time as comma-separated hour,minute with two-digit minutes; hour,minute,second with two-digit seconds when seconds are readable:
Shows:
9,37,09
